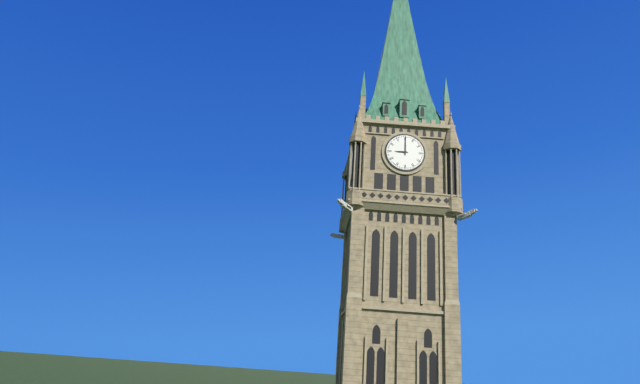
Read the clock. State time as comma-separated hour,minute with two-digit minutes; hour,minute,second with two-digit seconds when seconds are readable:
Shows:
9,00
